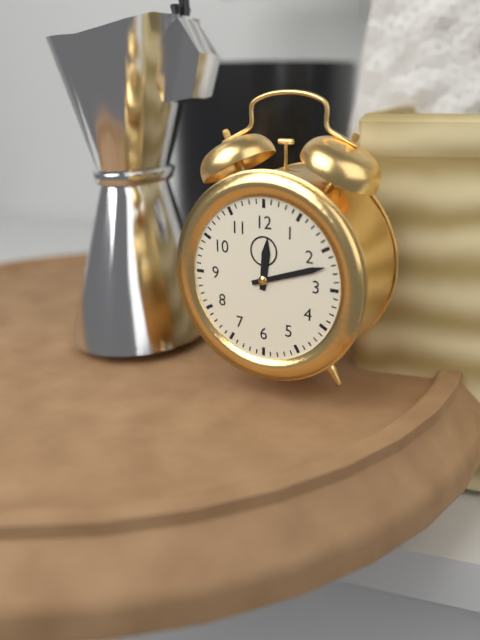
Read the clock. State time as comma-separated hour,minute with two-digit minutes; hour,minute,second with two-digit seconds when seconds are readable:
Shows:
12,12
